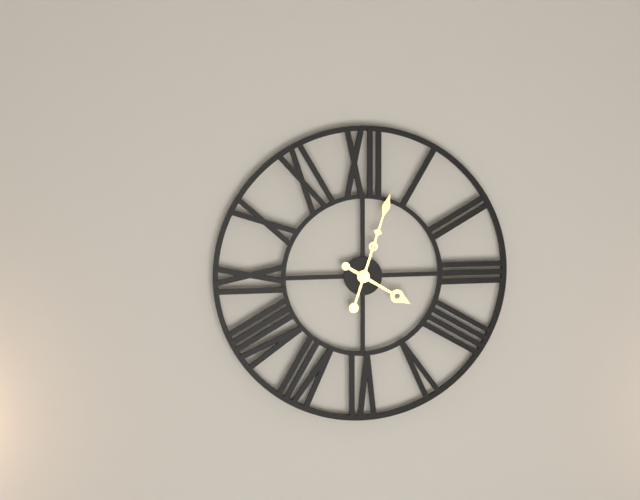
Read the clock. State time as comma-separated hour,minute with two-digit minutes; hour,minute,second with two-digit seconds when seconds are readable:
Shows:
4,03
